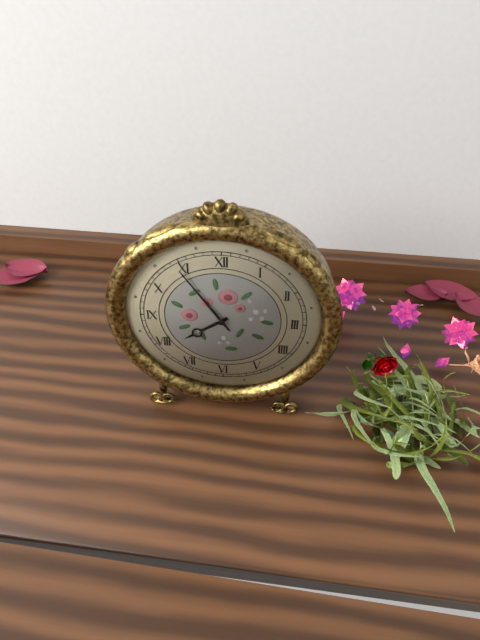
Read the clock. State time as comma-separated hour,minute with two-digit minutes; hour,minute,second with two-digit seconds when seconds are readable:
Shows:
7,54
